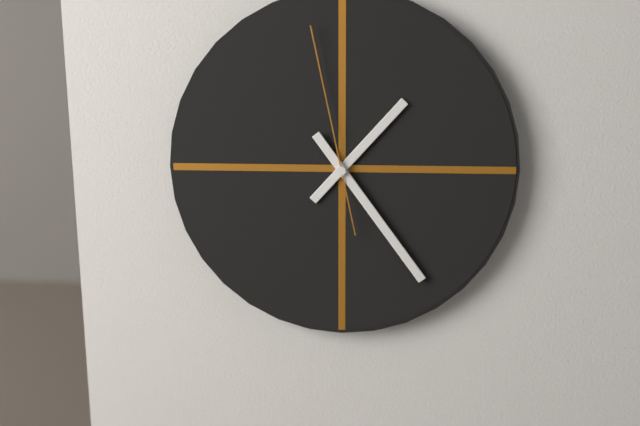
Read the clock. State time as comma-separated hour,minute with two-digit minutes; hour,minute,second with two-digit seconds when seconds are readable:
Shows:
1,24,58
